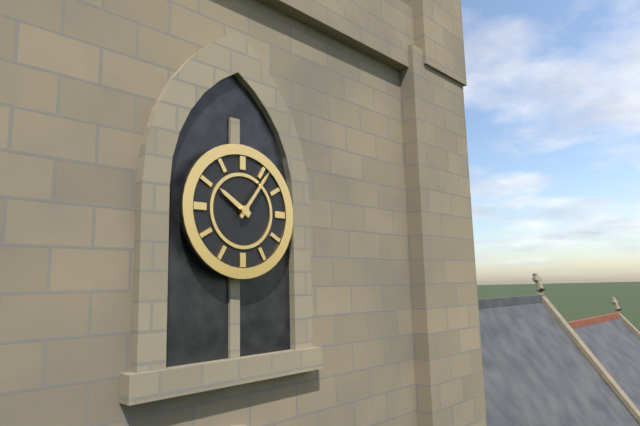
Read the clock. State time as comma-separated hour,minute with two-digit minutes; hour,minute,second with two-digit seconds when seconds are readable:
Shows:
10,06
